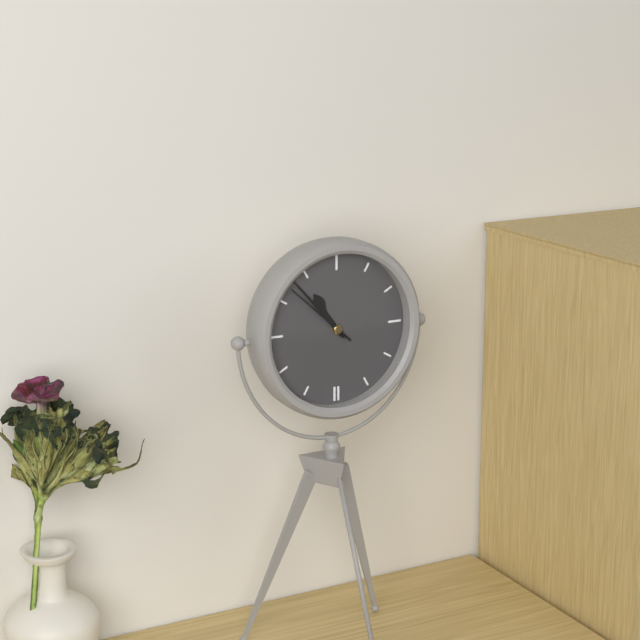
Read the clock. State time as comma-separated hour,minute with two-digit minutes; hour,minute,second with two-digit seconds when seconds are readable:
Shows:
10,53,52
